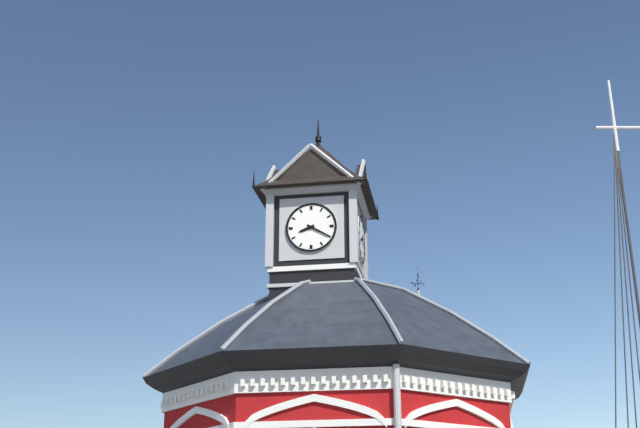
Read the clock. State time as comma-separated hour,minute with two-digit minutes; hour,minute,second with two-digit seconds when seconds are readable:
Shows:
8,20
